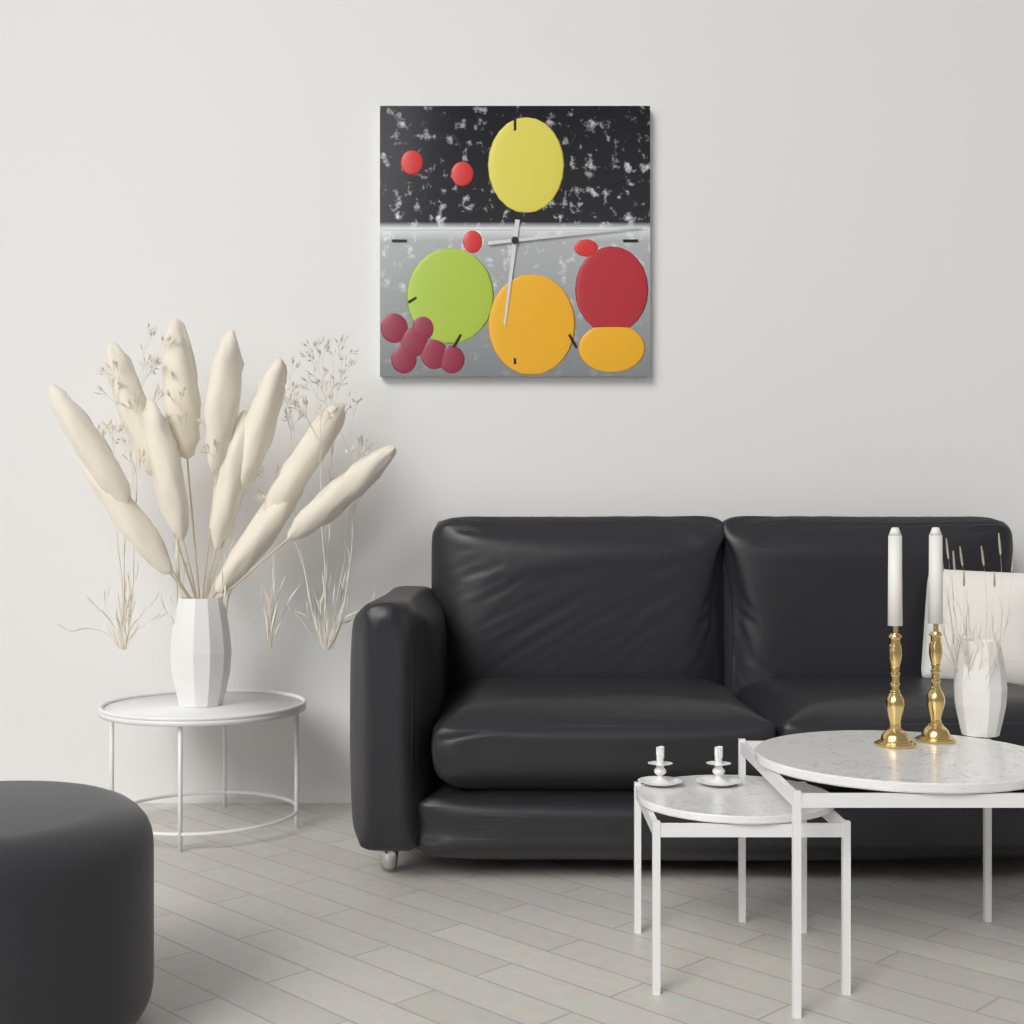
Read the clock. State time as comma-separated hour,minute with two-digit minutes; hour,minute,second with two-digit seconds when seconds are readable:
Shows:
6,14
